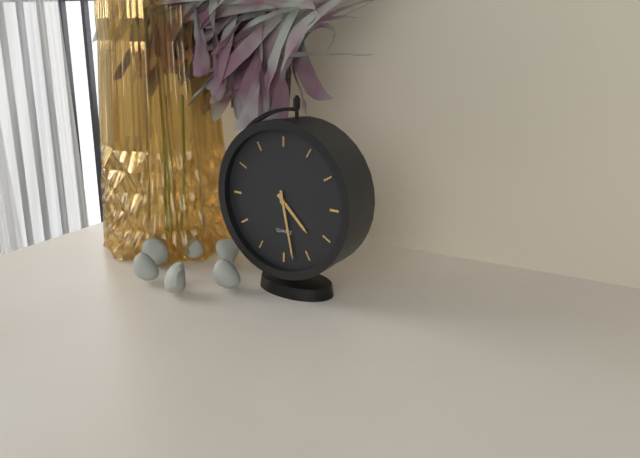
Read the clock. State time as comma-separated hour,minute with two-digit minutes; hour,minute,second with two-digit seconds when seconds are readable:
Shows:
4,28
